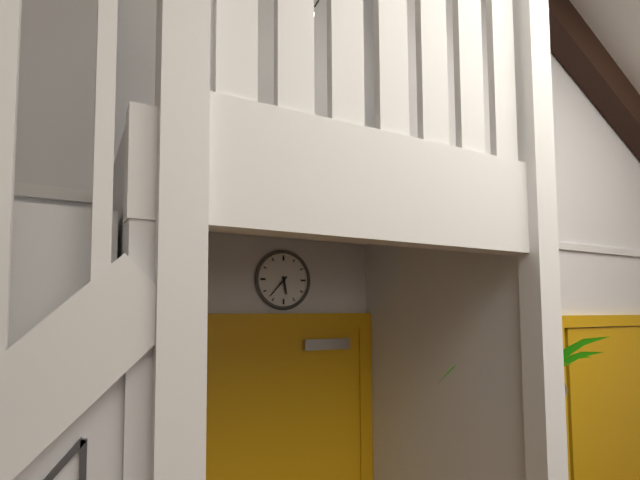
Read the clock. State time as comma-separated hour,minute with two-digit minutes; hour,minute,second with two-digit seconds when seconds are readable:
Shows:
5,37
